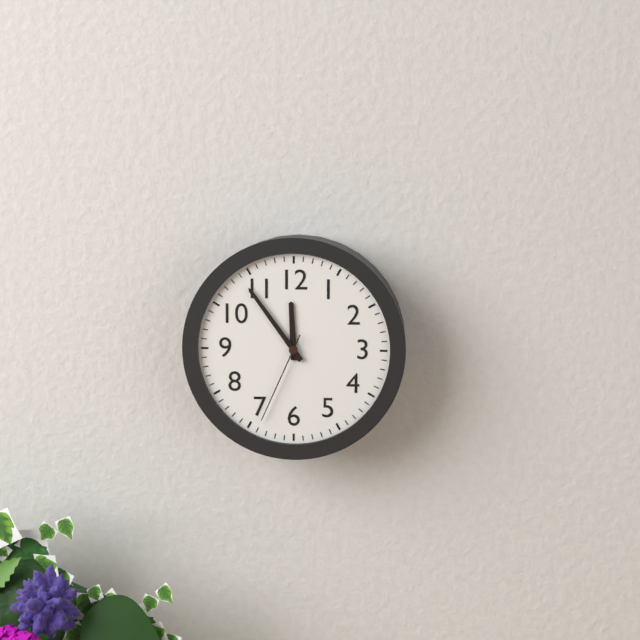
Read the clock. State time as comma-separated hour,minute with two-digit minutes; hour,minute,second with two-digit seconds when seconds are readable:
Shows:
11,54,34
